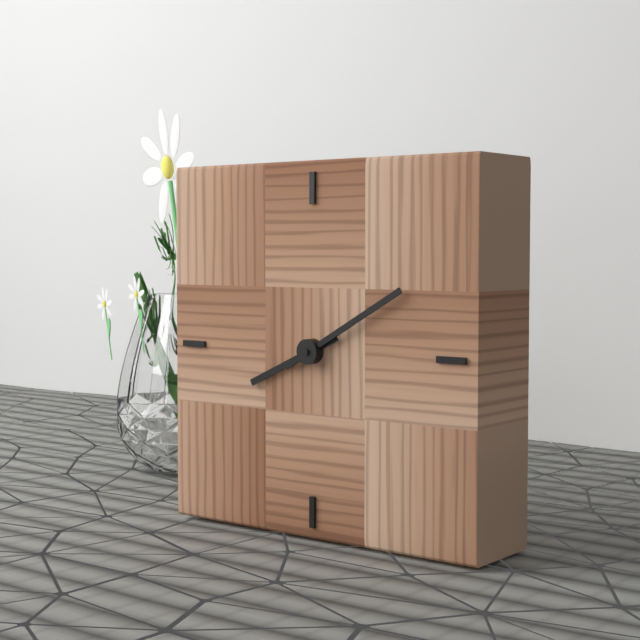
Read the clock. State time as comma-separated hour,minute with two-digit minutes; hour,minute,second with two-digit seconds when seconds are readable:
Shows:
8,10
